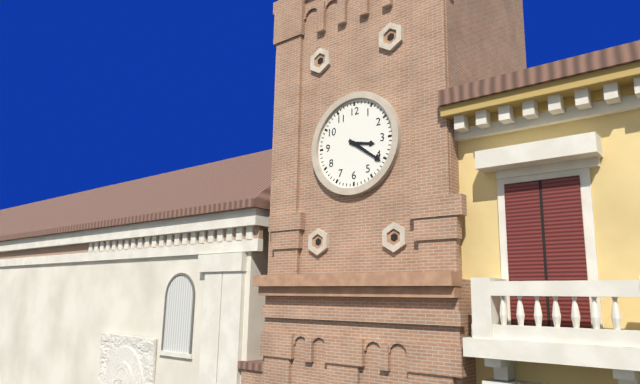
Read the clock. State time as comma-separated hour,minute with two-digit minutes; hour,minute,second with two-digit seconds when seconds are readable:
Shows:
3,21
